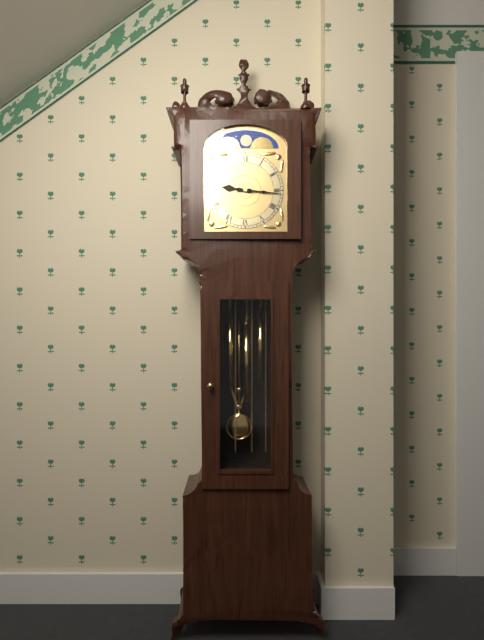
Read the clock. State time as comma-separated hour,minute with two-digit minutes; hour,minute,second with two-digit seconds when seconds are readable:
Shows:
9,16
